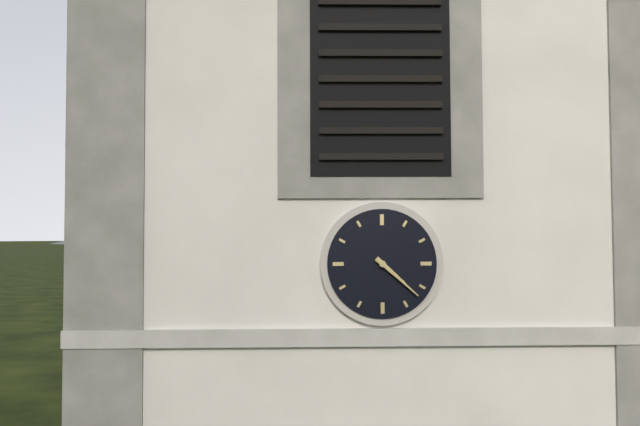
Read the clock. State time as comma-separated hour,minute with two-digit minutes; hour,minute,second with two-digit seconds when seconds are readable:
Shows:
4,22
